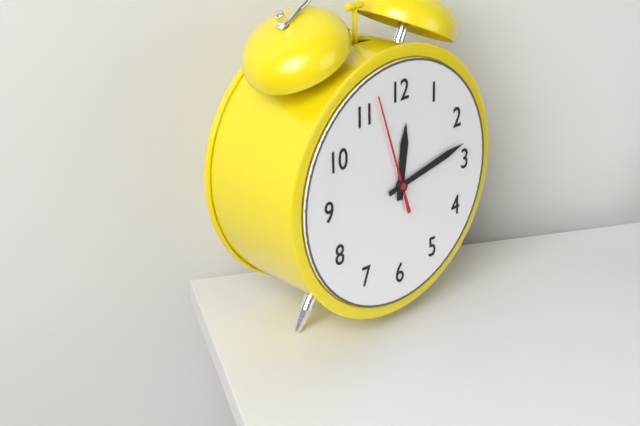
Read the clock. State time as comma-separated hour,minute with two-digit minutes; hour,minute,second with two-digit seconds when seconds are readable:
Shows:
12,13,57
